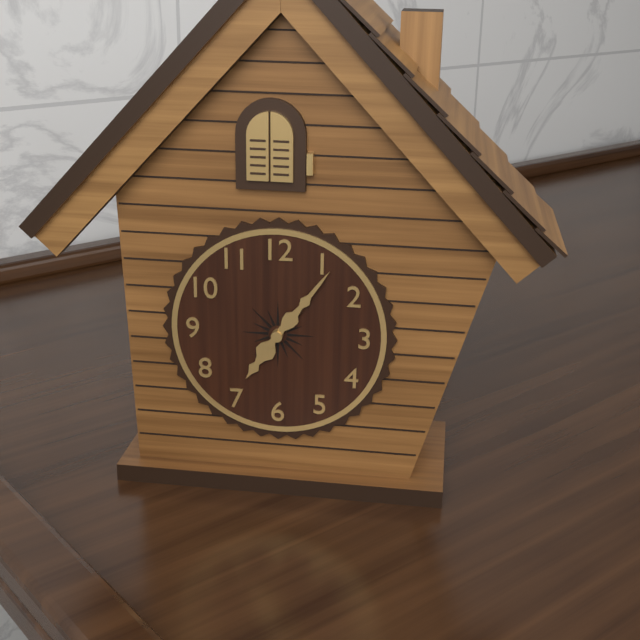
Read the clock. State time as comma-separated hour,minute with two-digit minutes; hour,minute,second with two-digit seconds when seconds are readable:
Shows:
7,06
